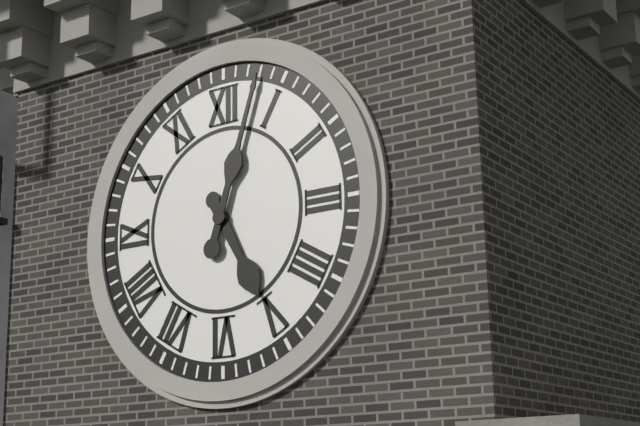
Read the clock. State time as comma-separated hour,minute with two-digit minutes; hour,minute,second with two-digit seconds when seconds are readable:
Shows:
5,03
